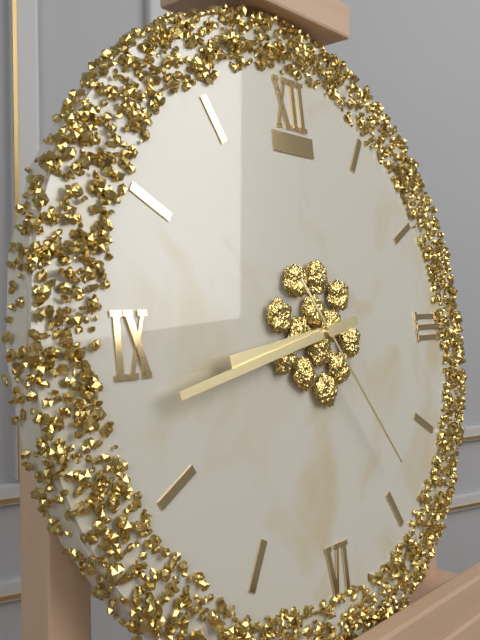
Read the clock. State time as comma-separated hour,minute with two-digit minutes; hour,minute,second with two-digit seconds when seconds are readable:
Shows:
8,43,24
